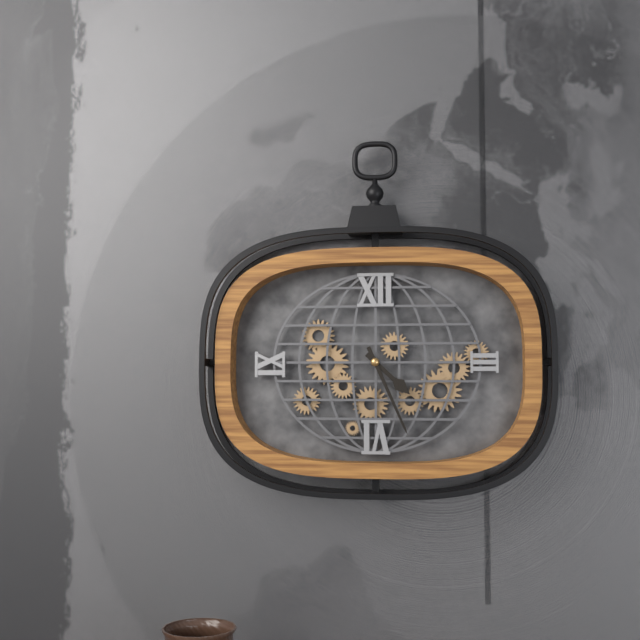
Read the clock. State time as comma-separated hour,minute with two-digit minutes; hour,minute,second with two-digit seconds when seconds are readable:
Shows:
4,26
